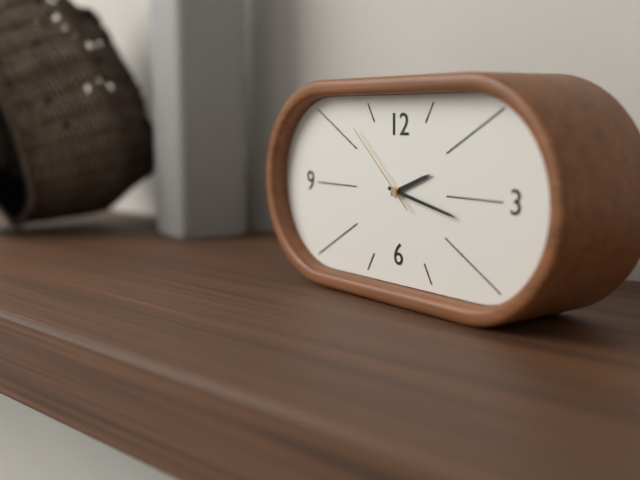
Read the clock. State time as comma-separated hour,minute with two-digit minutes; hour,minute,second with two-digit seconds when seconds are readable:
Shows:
2,17,52
